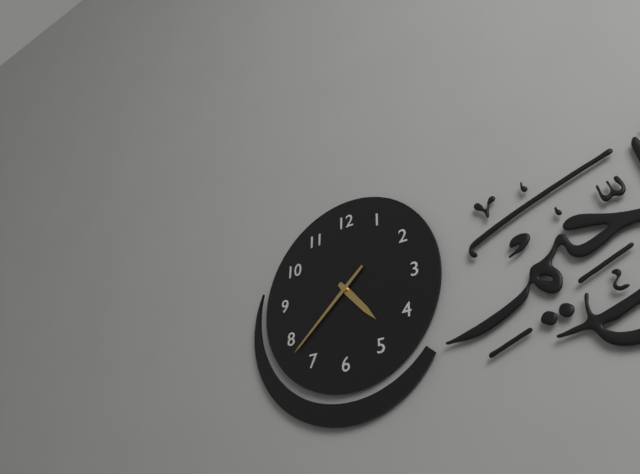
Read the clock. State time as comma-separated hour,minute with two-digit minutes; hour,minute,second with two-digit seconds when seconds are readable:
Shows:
4,38
